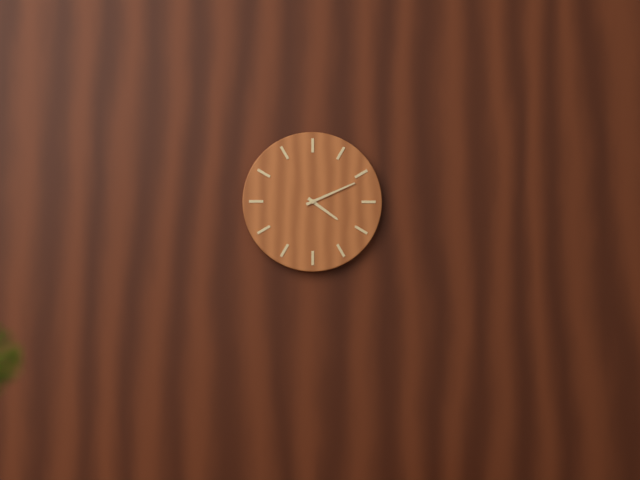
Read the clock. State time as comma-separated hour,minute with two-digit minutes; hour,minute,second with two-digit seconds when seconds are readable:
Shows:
4,11
